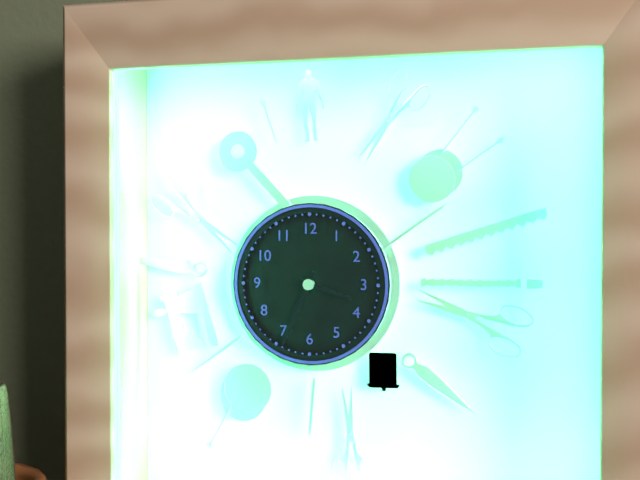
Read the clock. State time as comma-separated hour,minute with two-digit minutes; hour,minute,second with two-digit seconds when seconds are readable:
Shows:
3,34
